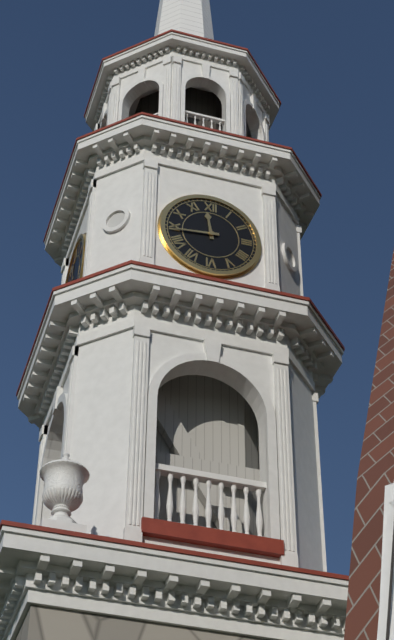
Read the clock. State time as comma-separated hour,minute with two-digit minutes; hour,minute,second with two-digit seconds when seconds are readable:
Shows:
11,44
